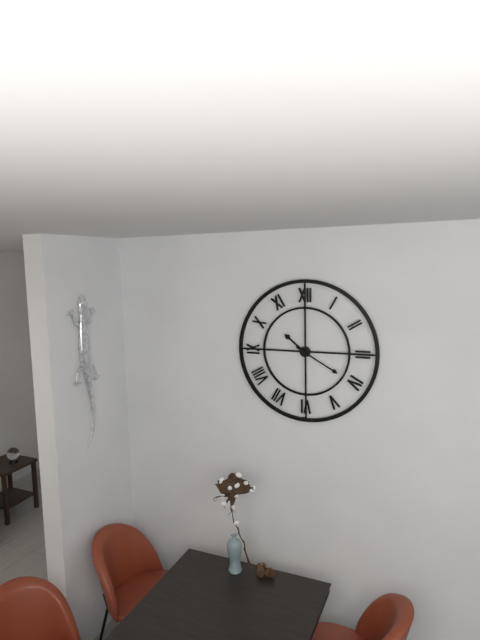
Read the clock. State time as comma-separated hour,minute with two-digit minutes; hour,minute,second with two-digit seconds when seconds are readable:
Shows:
10,20
